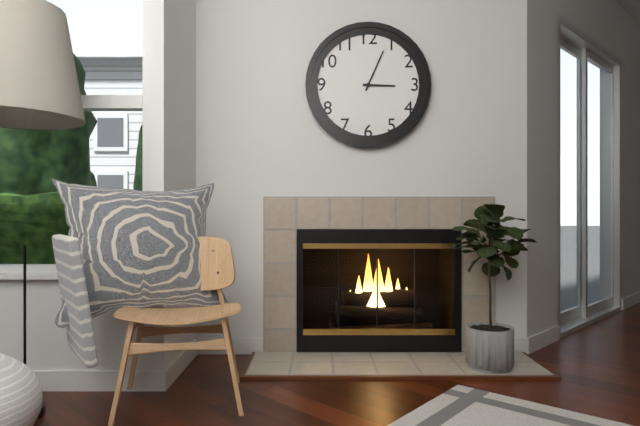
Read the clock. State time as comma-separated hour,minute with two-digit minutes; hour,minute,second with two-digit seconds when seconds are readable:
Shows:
3,04
